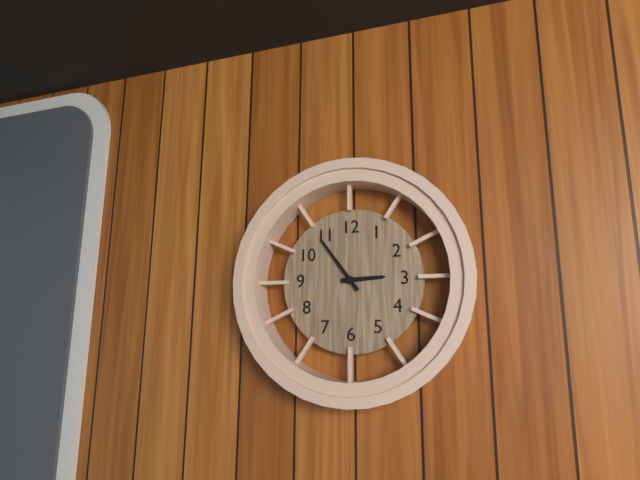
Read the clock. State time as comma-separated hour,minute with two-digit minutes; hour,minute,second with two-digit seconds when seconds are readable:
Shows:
2,54
